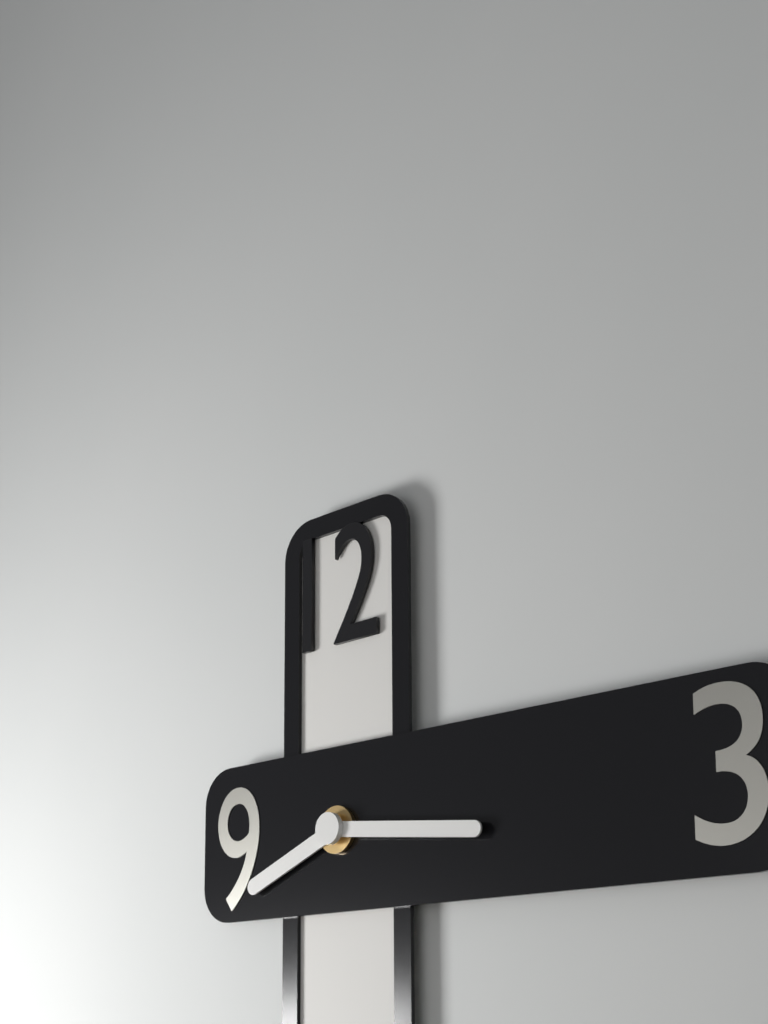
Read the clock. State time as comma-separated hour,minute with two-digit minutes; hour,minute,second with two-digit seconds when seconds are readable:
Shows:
8,16
